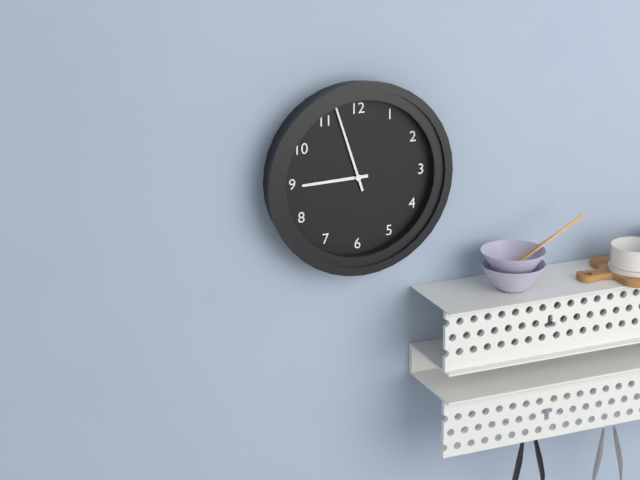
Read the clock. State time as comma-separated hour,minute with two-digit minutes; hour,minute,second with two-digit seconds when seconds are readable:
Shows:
8,57
